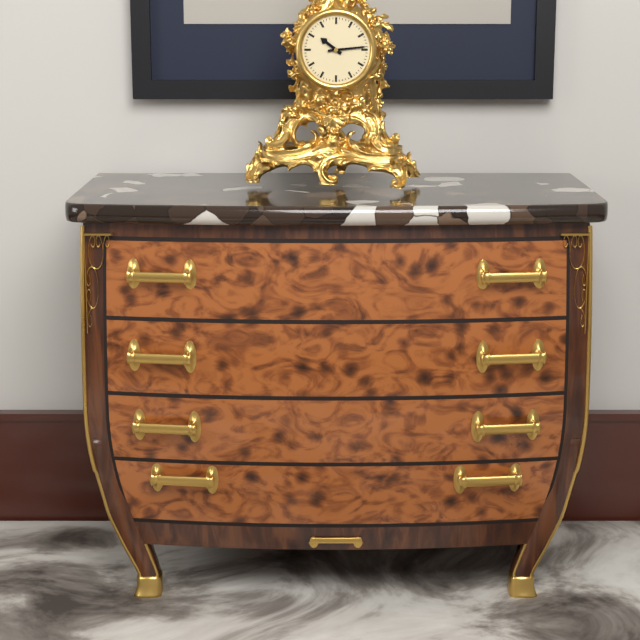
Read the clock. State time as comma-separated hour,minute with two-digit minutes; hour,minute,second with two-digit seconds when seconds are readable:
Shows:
10,14
